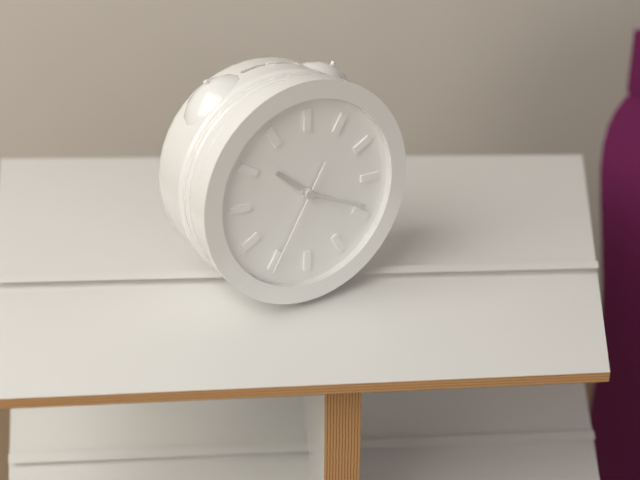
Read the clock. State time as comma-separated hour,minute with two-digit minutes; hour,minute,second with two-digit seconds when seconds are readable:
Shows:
10,19,35
